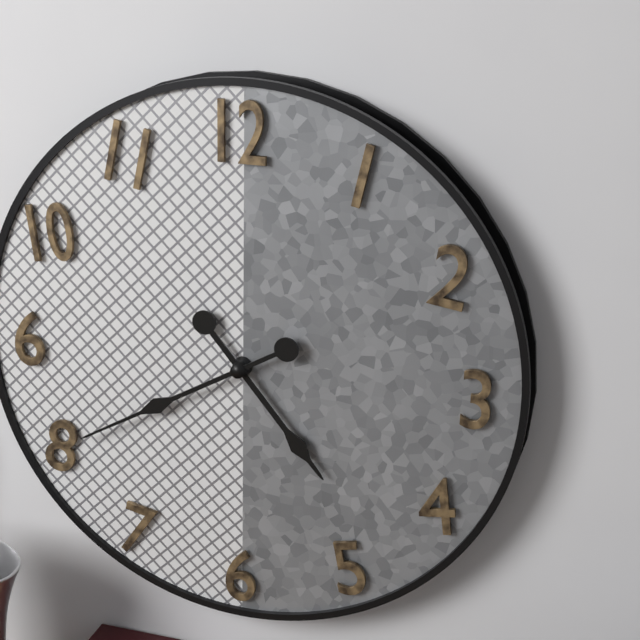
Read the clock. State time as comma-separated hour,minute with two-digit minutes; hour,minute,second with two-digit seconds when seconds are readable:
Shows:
4,40
